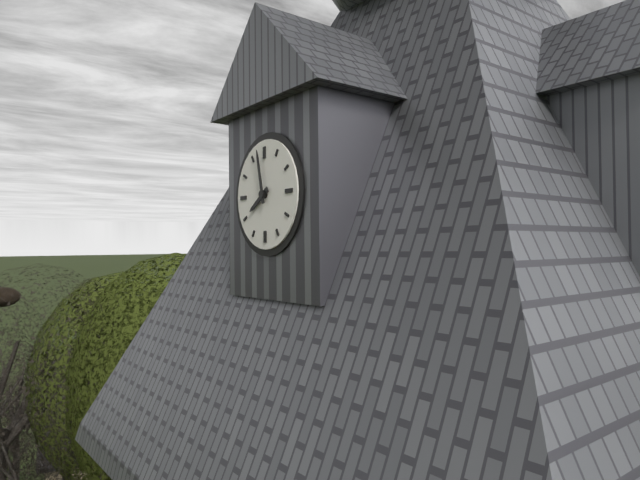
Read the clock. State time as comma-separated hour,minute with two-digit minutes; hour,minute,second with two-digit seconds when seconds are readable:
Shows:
7,58
